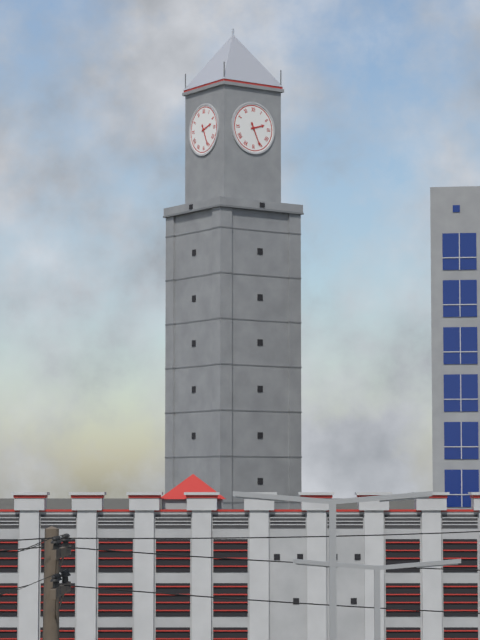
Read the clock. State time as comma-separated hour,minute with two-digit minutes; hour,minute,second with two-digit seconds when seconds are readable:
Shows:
2,26
